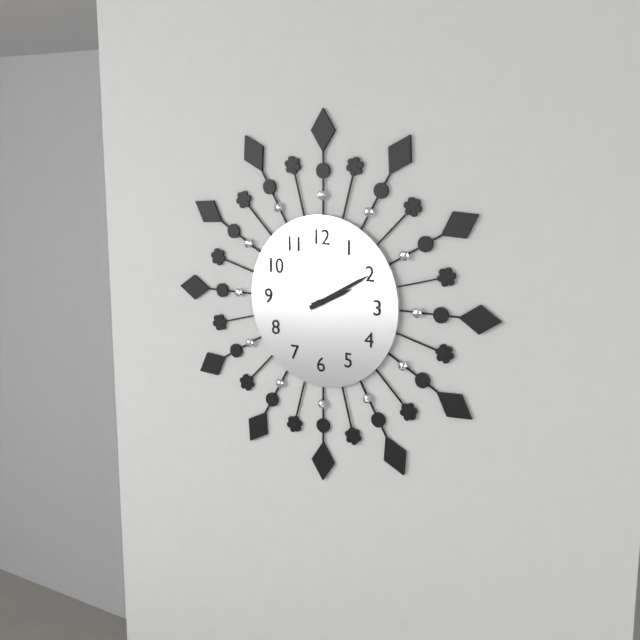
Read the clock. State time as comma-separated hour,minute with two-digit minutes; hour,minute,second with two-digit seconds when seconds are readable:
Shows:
2,10
